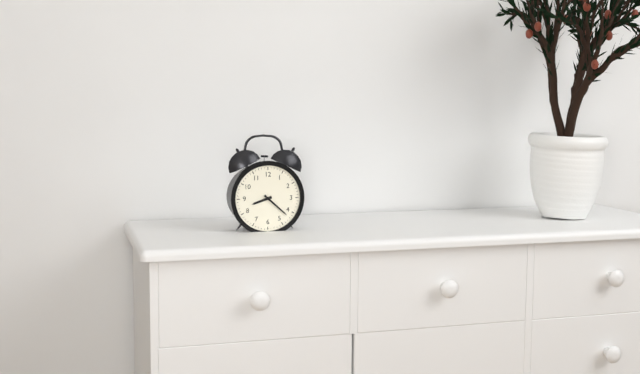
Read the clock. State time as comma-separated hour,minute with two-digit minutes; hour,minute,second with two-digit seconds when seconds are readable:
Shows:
8,22
